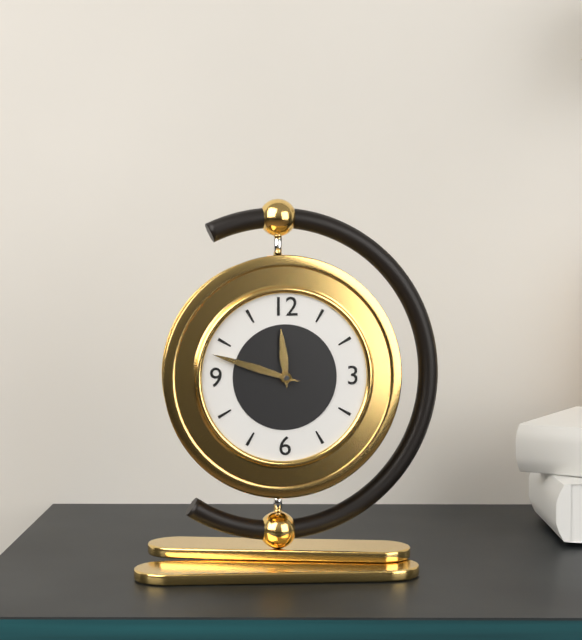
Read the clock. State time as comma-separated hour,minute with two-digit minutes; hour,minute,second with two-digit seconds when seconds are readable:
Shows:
11,48
